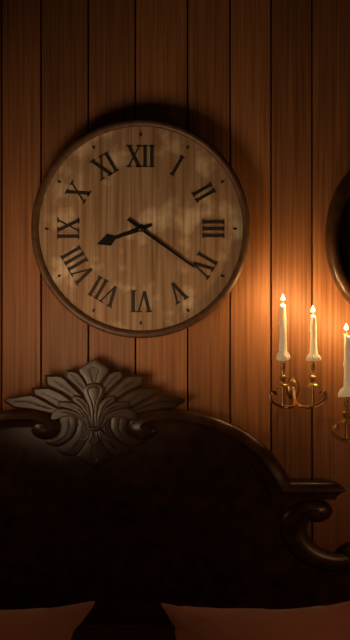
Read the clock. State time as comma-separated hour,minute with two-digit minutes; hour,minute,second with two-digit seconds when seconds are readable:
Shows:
8,21
